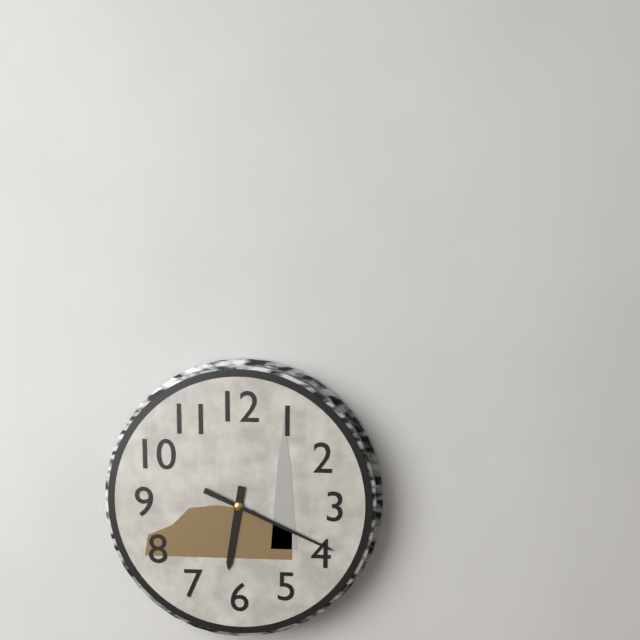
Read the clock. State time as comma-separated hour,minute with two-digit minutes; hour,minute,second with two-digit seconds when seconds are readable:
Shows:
6,19
